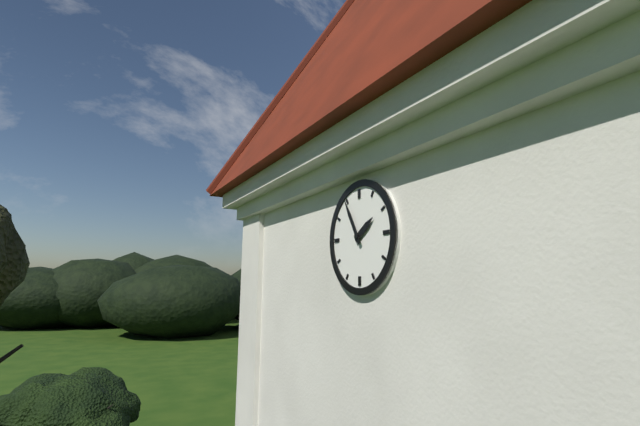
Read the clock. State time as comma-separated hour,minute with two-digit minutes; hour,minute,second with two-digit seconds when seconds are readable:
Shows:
1,55
